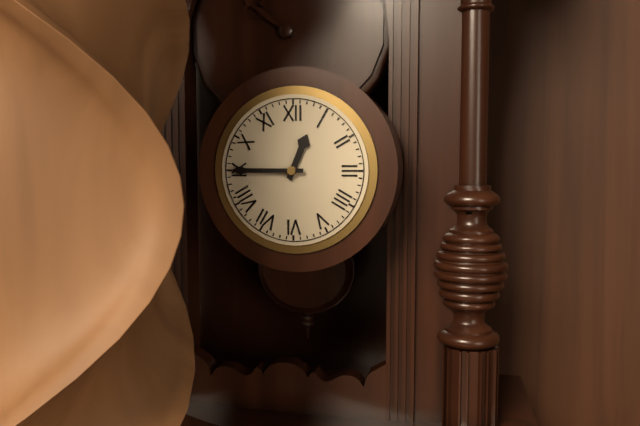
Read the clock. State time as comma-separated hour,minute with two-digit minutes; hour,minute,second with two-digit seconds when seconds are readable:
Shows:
12,45
